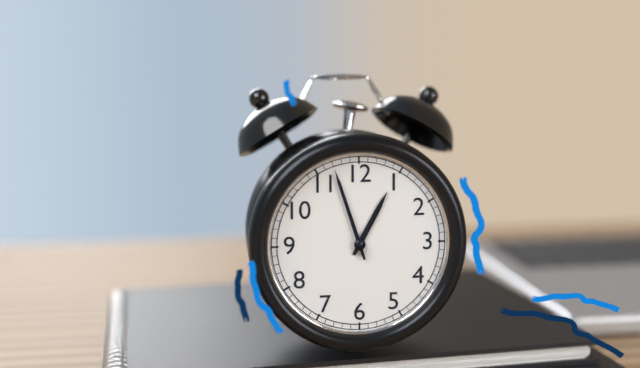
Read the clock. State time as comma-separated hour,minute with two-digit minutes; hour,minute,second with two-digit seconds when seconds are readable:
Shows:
12,57
